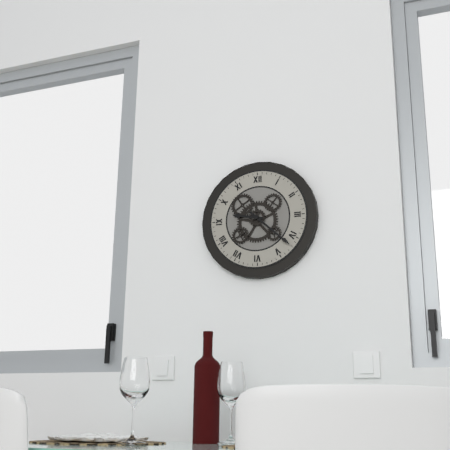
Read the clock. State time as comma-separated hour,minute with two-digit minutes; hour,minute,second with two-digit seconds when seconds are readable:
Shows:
9,22
